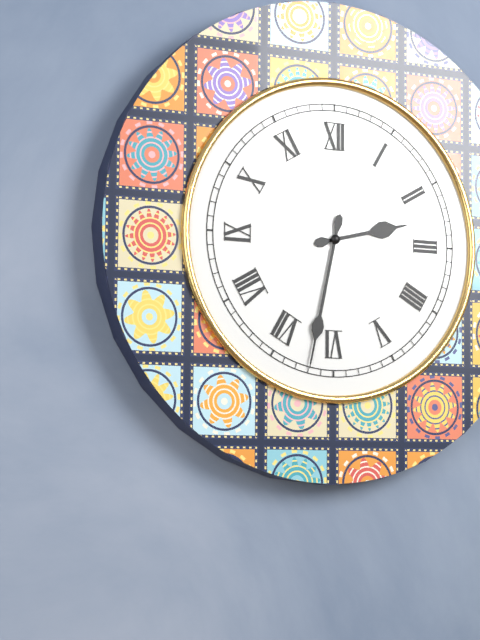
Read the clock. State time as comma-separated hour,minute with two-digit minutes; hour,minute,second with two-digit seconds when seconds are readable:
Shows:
2,32
